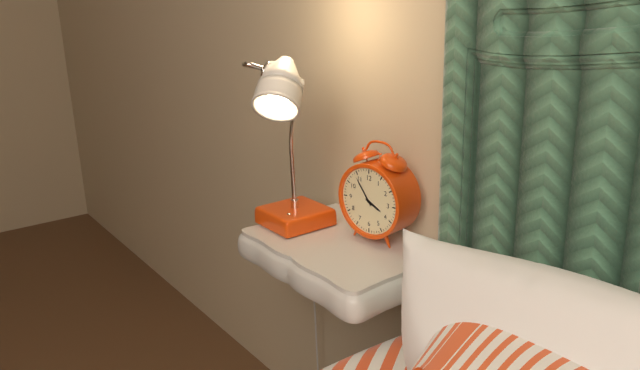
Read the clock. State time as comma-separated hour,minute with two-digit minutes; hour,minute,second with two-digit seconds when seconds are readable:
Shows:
3,54
